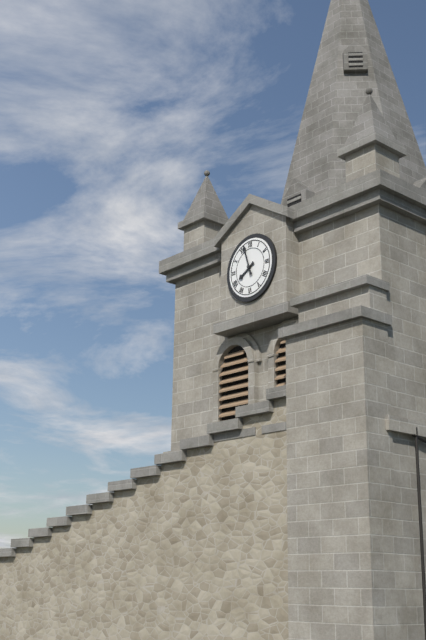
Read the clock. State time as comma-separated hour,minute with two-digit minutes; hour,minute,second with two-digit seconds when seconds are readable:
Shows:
7,57
